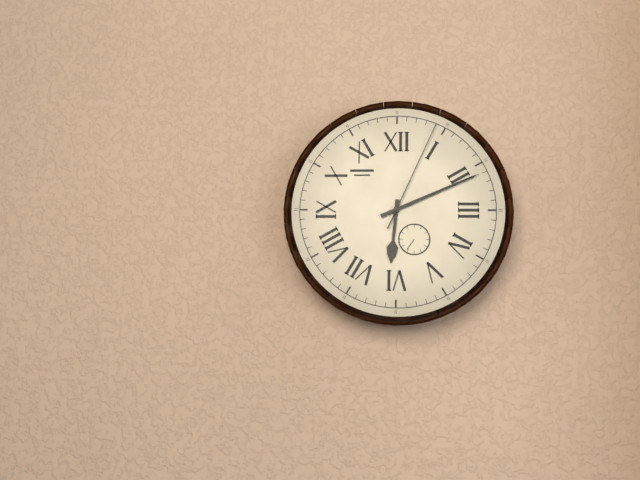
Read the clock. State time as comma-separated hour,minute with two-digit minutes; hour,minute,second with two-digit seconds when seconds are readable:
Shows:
6,11,04
